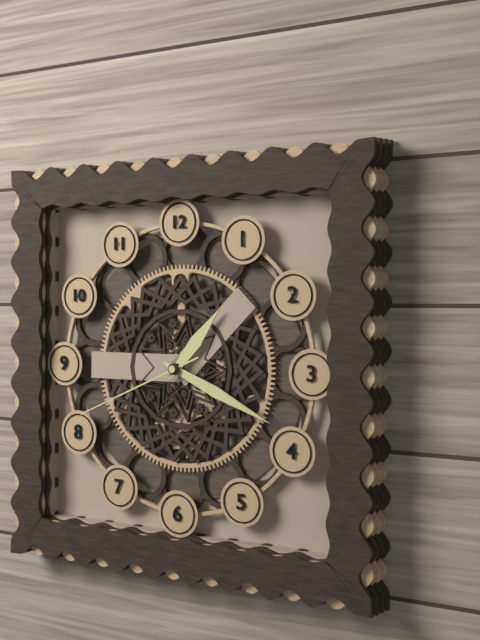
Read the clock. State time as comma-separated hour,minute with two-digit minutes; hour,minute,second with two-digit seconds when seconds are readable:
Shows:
1,19,41
